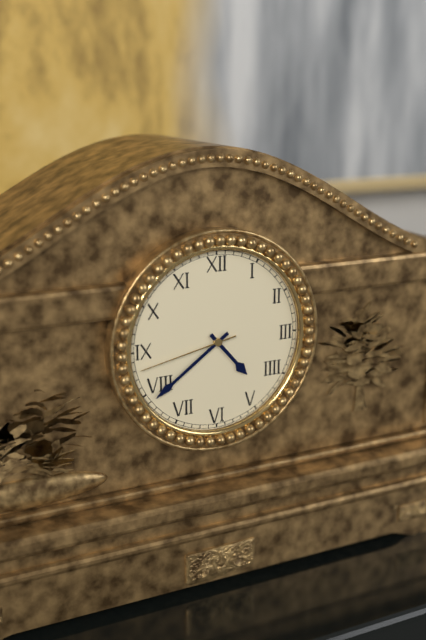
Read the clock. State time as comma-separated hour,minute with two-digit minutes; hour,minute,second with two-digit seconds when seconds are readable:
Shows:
4,39,43
